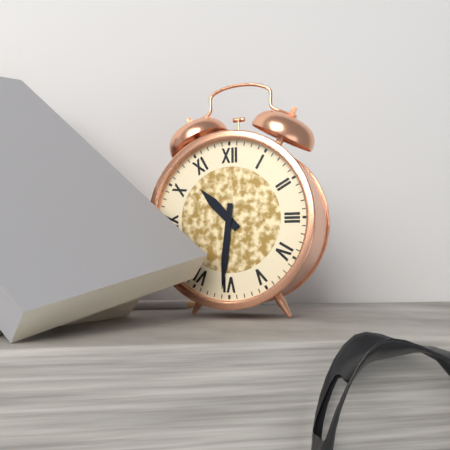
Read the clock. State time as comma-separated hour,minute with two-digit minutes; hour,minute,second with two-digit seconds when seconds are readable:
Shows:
10,31
